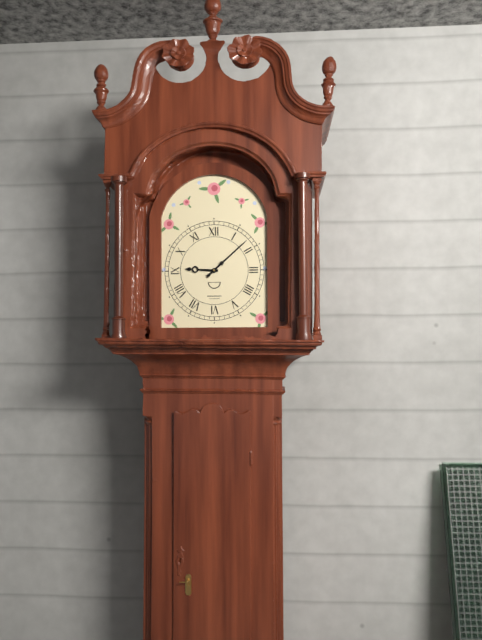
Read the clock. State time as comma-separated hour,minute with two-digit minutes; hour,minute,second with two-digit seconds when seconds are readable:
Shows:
9,08
